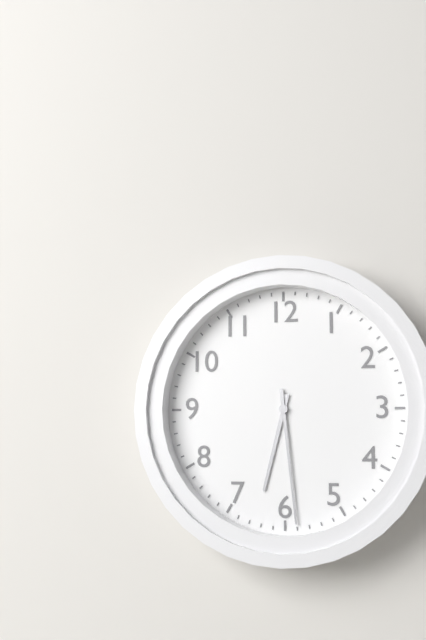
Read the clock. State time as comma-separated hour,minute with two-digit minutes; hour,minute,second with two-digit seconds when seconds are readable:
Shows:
6,29
